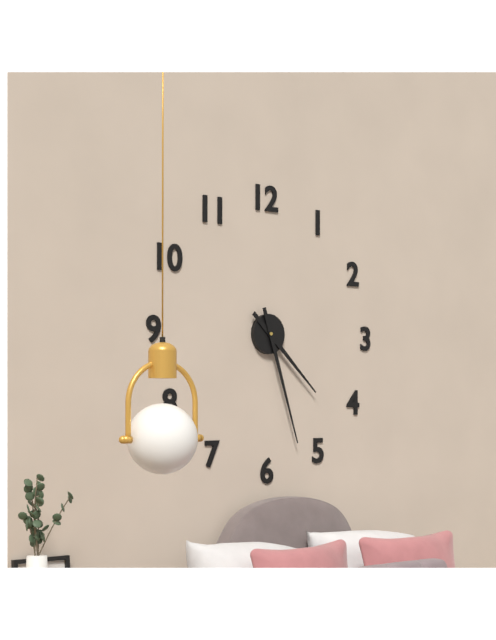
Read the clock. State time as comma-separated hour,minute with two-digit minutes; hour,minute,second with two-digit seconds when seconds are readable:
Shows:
4,27
